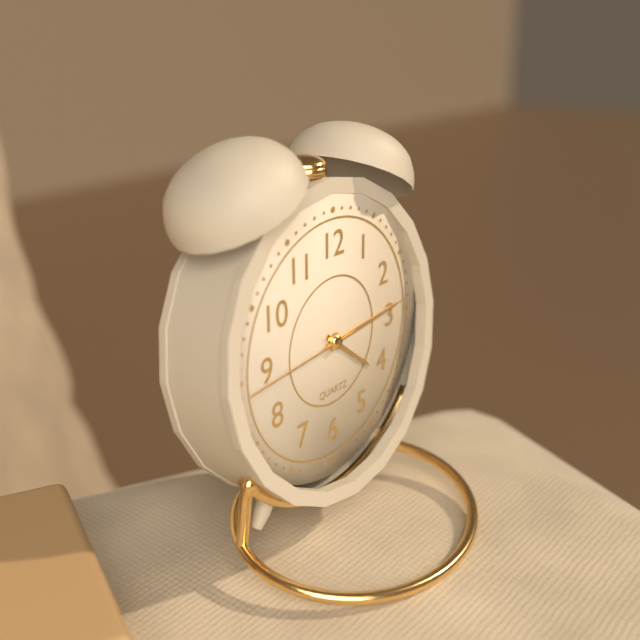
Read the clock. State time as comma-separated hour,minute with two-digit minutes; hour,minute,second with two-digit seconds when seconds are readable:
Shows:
4,14,44
